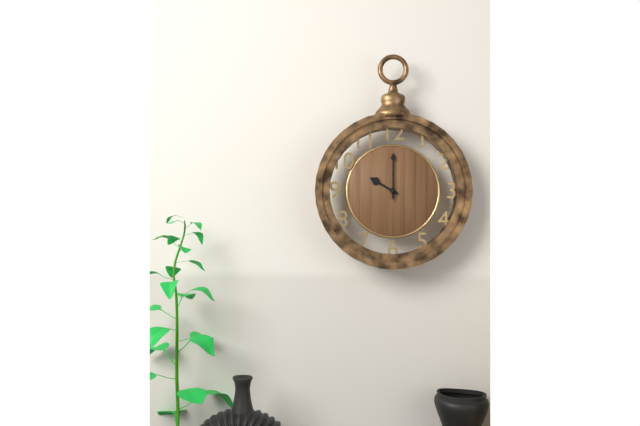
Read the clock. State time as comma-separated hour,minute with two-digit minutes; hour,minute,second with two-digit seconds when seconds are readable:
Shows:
10,00
